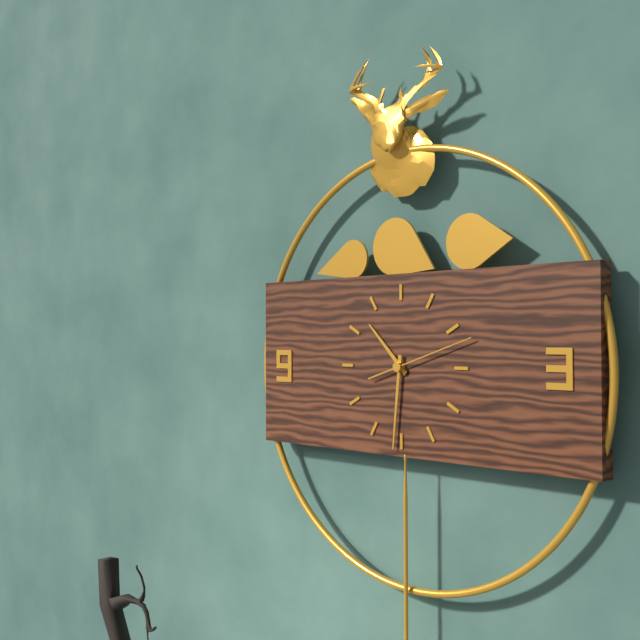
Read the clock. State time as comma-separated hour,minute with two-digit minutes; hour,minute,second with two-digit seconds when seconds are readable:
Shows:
10,31,12
